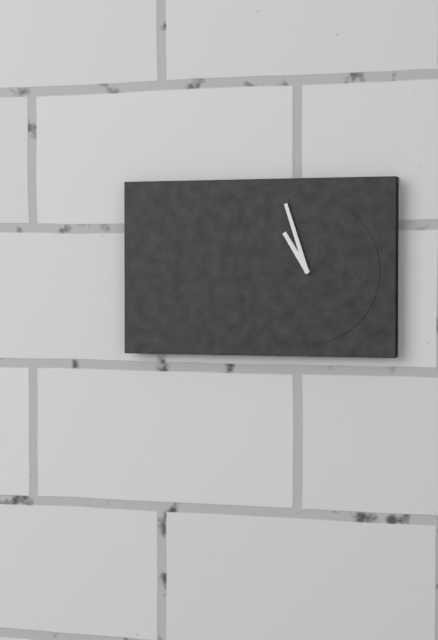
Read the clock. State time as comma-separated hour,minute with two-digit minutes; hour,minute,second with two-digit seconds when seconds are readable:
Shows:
10,57
